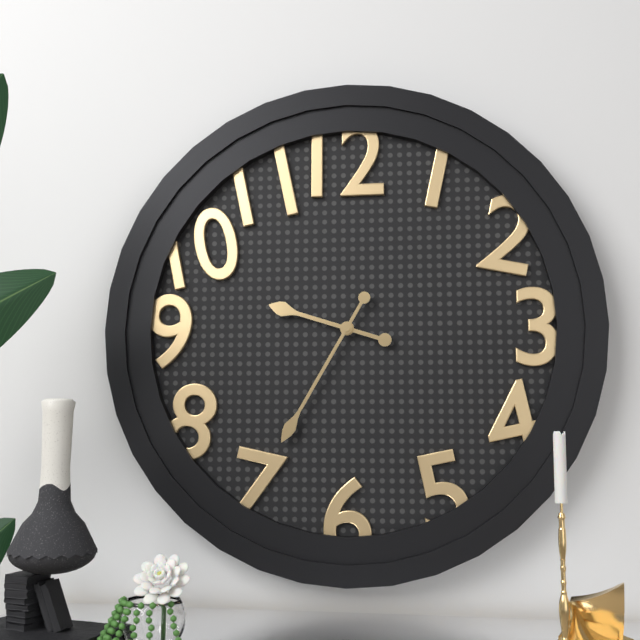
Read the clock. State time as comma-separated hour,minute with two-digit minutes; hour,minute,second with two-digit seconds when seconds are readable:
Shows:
9,35
